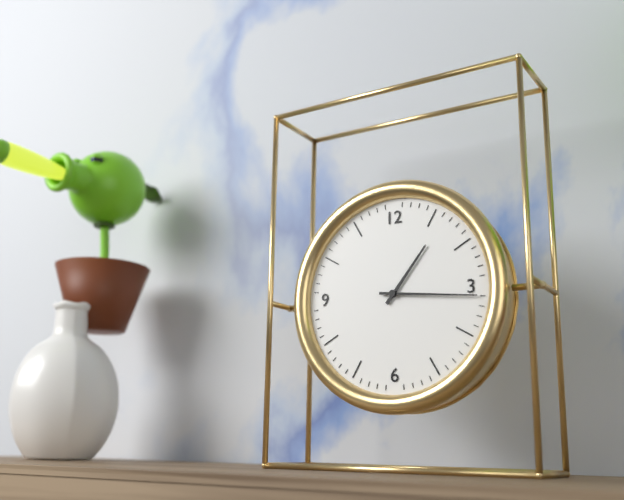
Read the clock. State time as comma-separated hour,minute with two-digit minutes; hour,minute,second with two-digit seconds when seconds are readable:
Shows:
1,16
